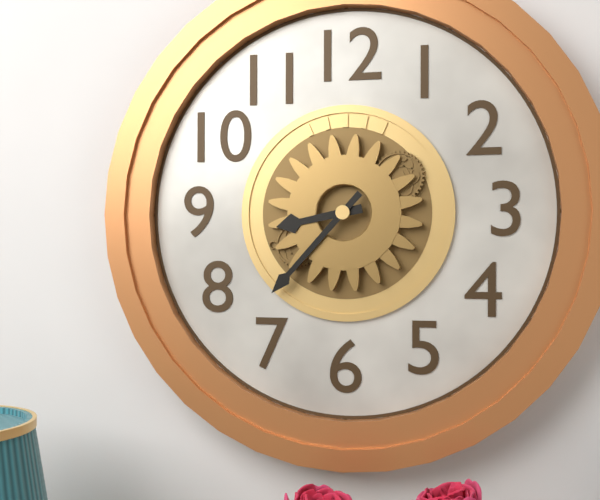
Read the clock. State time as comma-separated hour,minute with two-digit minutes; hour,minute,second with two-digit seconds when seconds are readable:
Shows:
8,37
